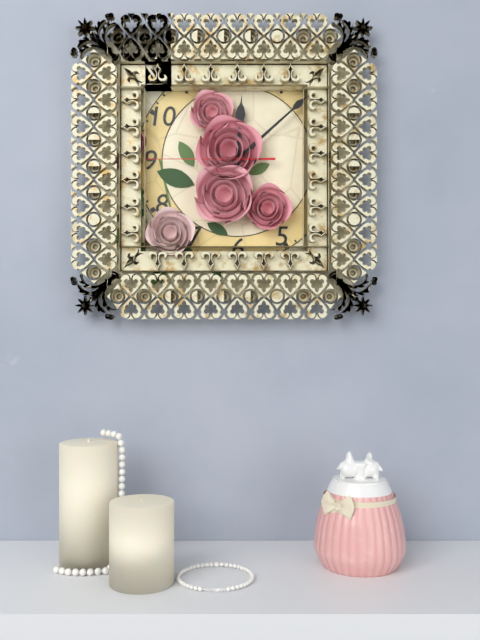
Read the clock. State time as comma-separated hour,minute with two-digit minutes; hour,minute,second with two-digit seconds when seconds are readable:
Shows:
12,08,45
